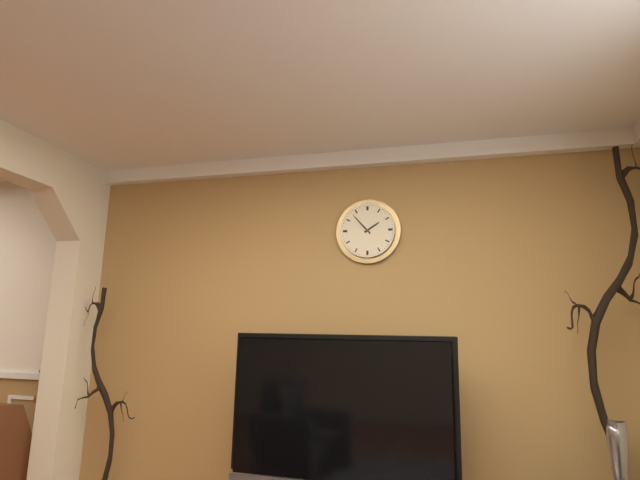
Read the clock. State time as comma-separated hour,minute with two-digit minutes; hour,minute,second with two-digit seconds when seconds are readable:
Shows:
1,53
